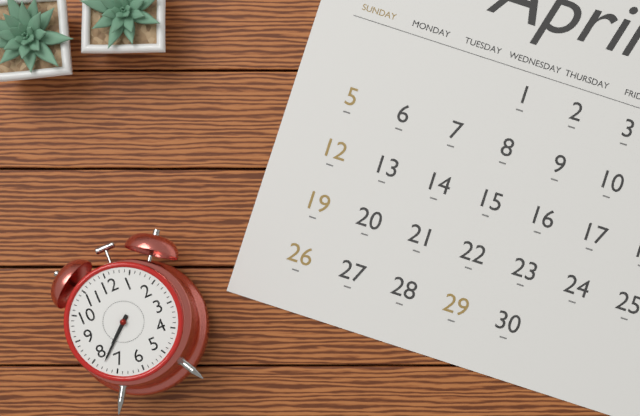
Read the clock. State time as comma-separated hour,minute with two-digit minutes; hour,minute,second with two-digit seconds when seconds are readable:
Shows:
7,38
